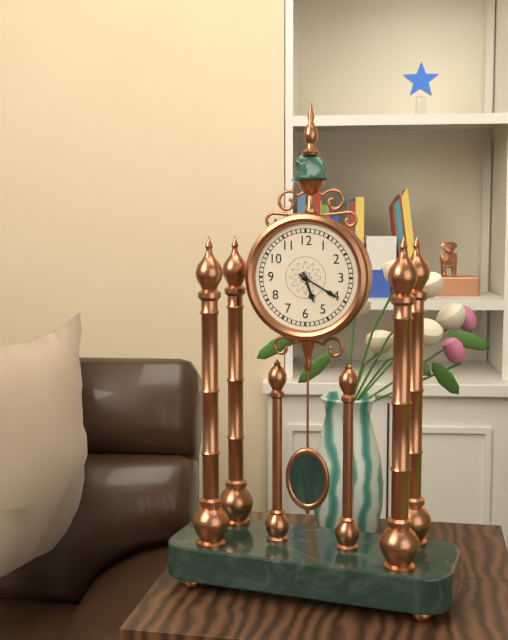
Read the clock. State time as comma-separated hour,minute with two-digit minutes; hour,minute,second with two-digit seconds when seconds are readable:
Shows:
5,20
